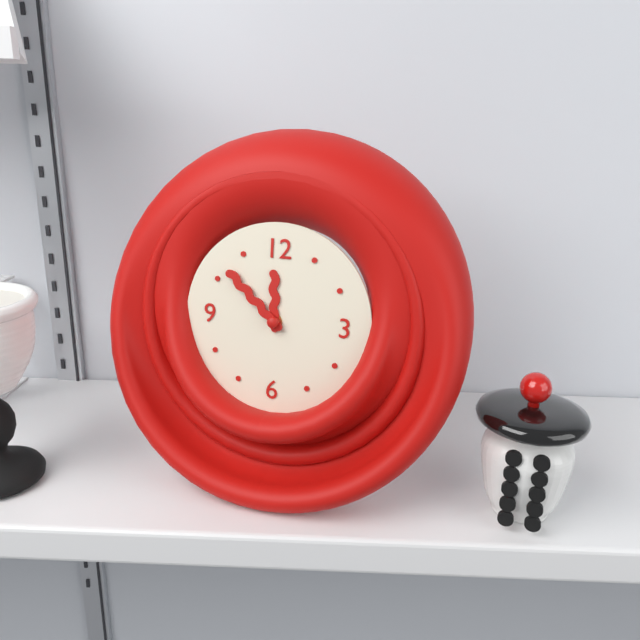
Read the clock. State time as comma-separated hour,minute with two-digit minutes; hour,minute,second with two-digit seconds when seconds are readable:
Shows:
11,52
